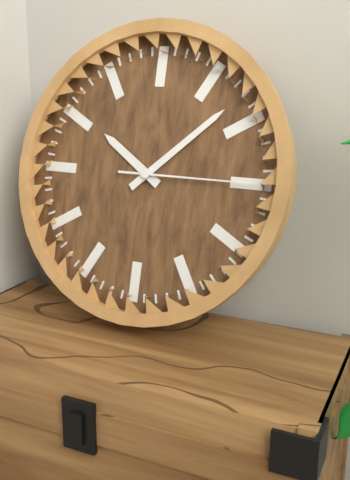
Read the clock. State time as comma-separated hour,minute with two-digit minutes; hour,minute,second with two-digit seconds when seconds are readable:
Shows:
10,08,15
